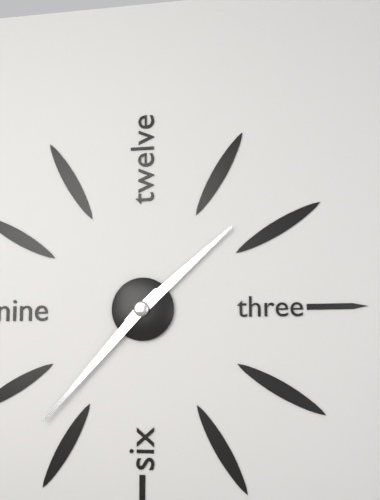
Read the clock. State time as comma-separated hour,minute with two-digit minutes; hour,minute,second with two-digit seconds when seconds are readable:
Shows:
1,37
